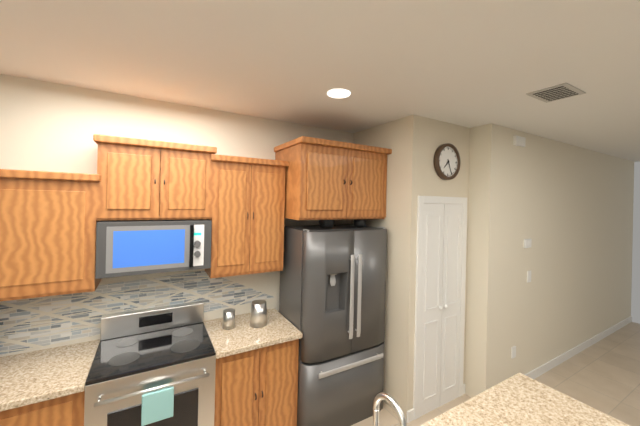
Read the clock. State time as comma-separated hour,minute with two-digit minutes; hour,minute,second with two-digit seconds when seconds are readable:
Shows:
7,26
